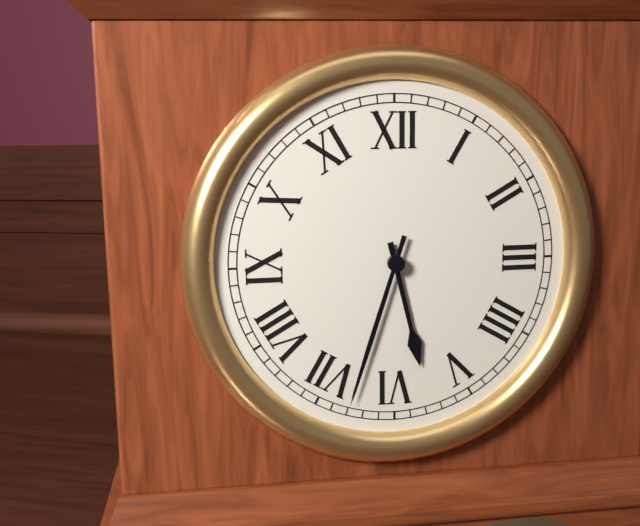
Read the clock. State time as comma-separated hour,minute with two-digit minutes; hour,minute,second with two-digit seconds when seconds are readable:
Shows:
5,33
